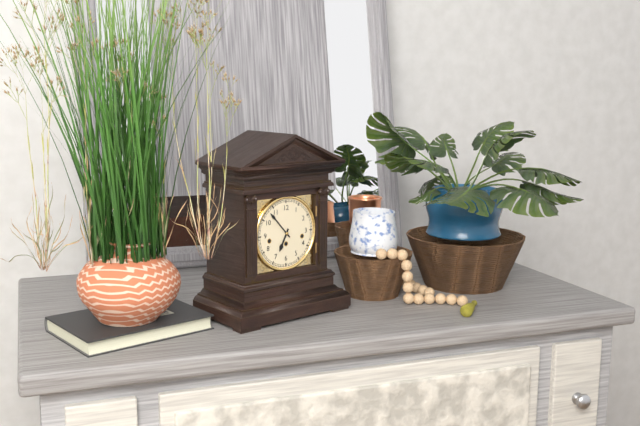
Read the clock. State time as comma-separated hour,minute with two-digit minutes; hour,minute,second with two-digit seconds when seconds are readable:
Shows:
6,53
